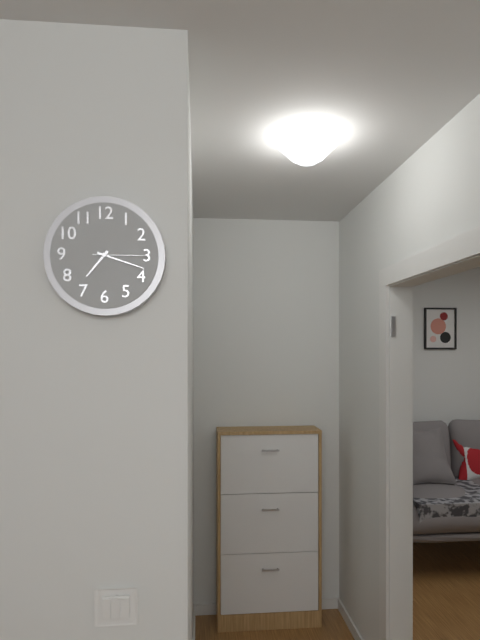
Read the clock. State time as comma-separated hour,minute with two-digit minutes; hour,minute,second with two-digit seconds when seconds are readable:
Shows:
7,18,15
